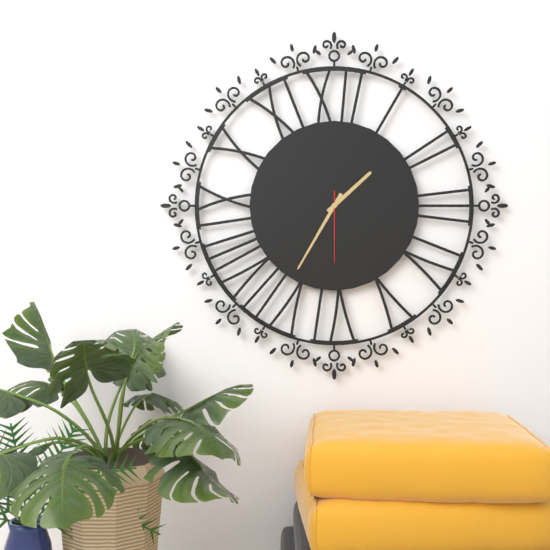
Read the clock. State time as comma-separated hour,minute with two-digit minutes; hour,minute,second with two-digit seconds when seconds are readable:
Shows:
1,35,30
